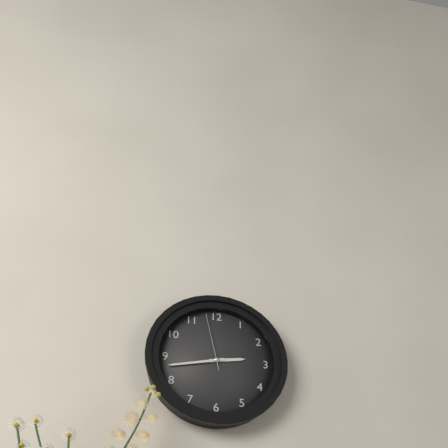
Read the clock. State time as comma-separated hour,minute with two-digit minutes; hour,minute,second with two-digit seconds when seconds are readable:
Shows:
2,43,58
